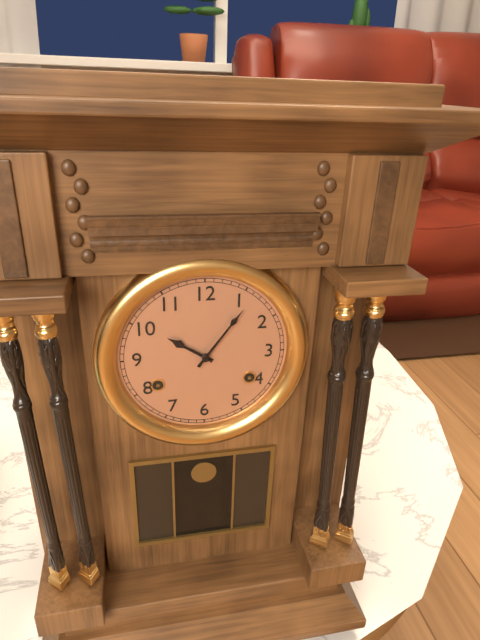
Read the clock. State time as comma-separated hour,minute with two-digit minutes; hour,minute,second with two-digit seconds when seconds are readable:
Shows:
10,06
